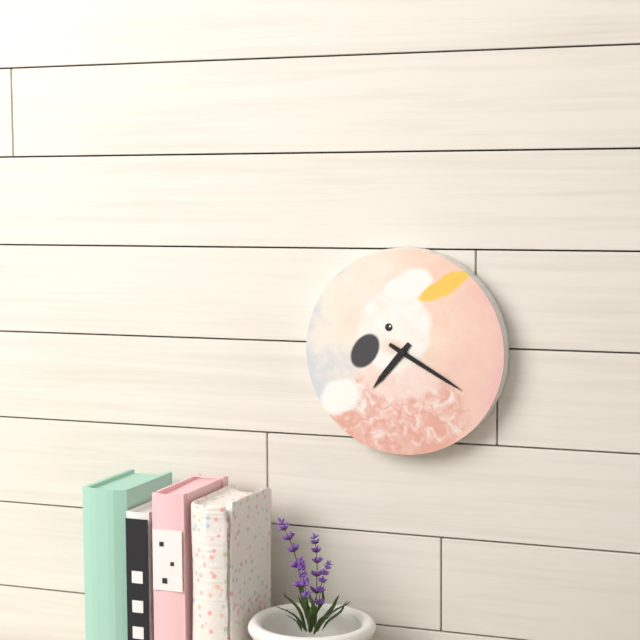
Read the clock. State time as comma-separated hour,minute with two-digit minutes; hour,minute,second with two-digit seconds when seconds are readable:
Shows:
7,20
